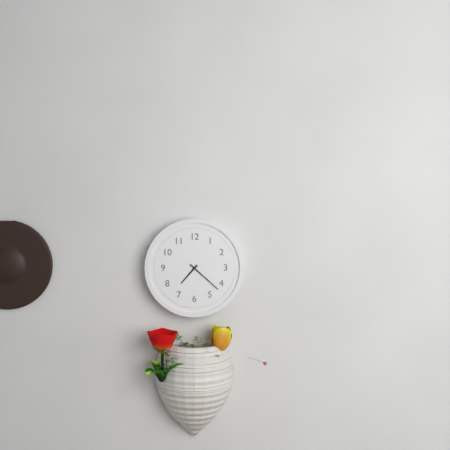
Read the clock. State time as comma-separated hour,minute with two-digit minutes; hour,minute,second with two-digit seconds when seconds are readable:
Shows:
7,22
